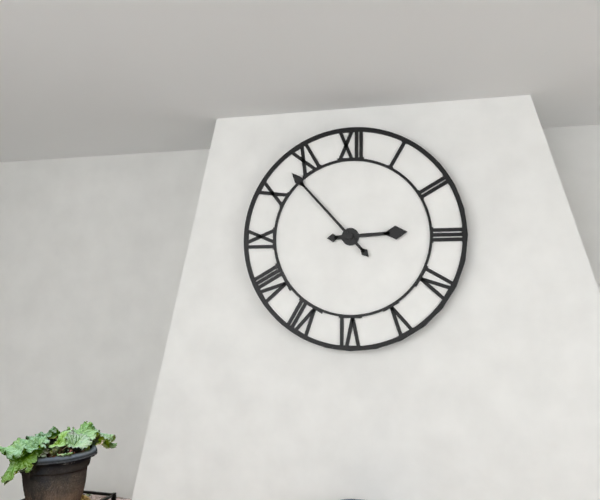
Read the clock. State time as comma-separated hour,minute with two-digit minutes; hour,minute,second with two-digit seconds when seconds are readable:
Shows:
2,53
